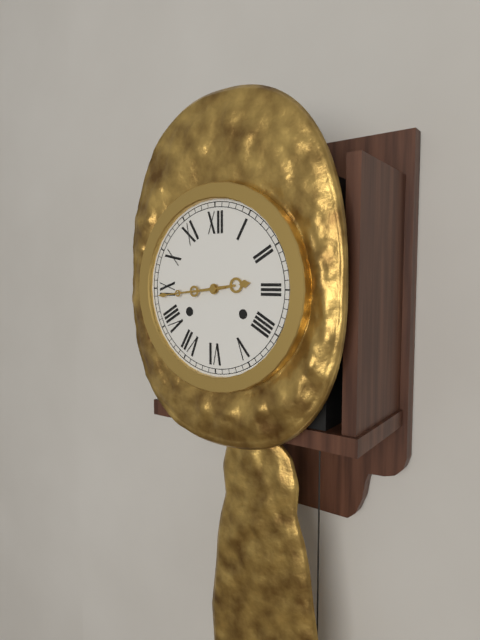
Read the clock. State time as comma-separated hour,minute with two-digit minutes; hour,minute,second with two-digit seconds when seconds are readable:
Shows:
2,44
